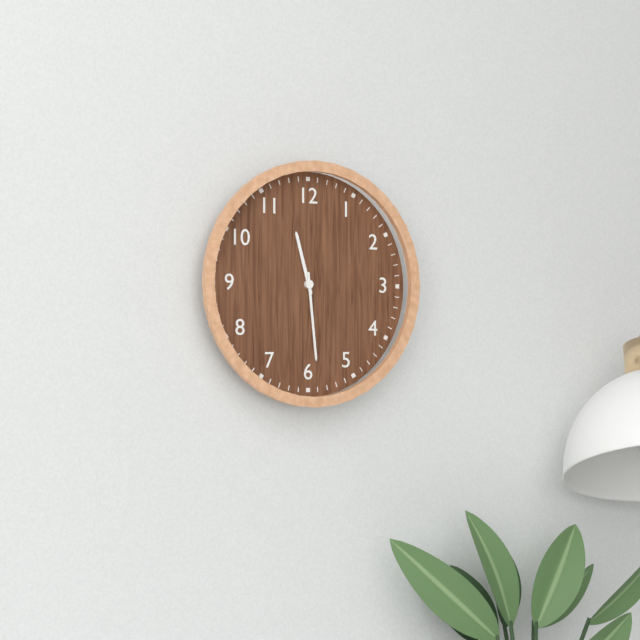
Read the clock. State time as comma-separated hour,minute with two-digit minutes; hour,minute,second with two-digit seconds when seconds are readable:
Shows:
11,29
